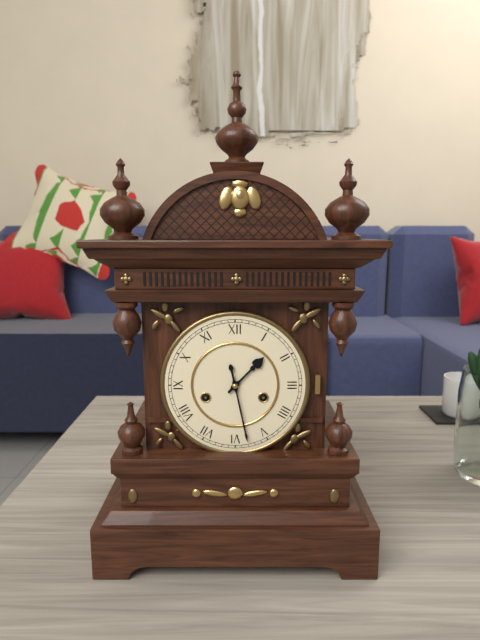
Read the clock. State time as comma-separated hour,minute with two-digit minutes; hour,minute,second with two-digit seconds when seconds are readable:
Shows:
1,28
